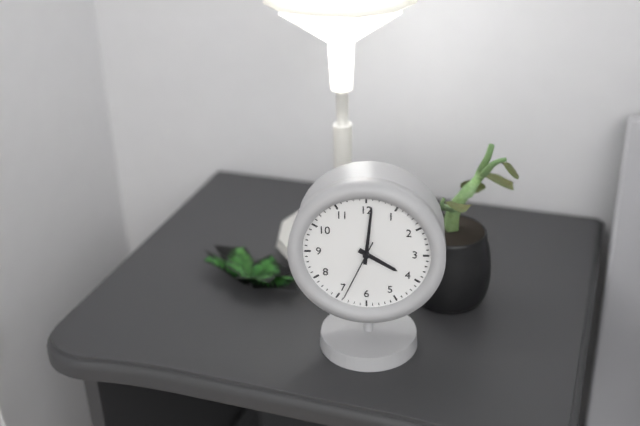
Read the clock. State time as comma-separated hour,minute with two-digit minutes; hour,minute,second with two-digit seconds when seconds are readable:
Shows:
4,01,34
